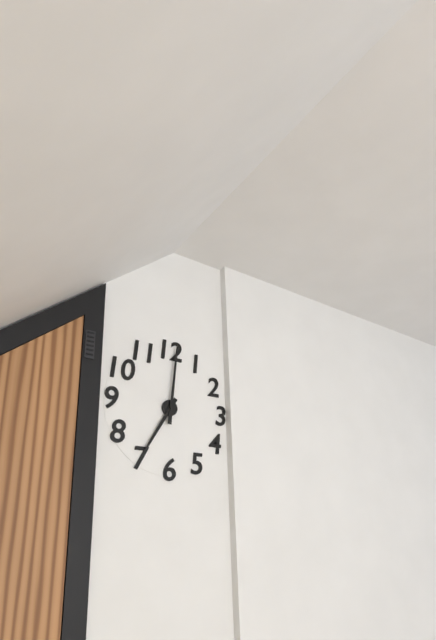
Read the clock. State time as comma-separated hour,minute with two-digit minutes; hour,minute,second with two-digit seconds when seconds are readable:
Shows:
7,01
